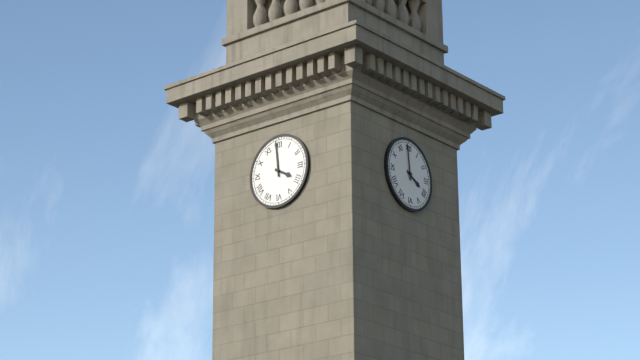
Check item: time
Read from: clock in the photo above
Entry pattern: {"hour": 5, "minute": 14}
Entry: {"hour": 3, "minute": 59}
